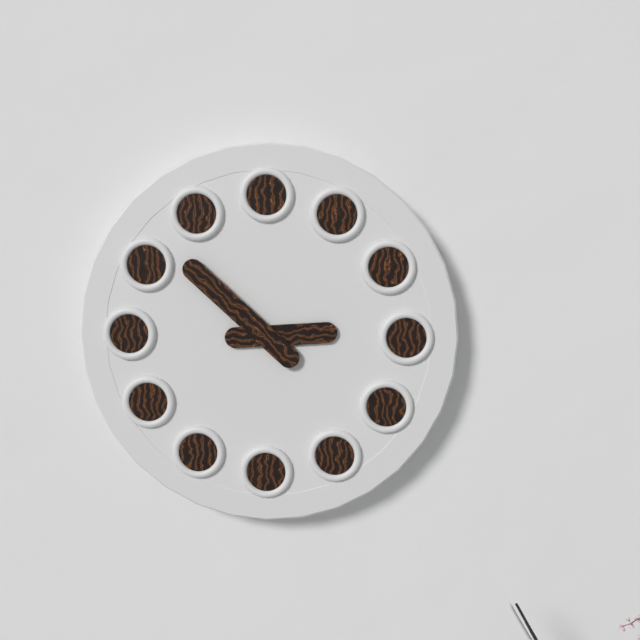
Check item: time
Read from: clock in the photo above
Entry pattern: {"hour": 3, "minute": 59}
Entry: {"hour": 2, "minute": 52}
